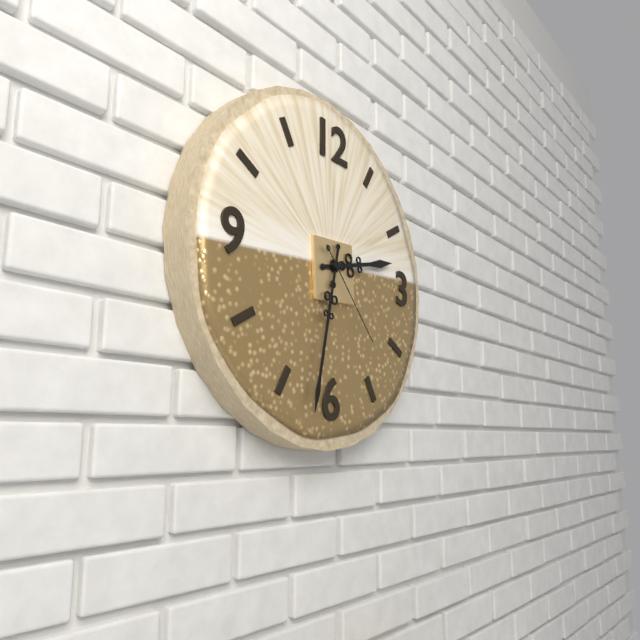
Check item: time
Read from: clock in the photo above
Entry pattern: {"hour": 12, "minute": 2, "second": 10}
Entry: {"hour": 2, "minute": 32, "second": 23}
